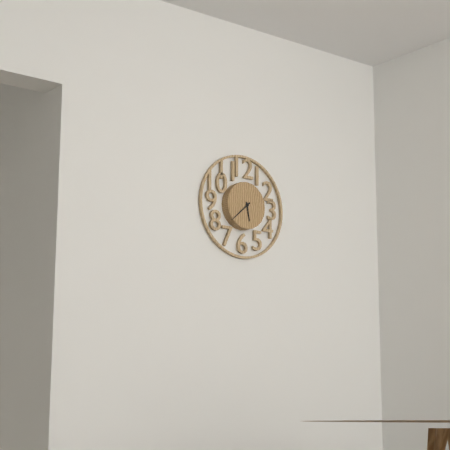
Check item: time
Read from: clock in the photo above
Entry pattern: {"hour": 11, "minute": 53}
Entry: {"hour": 5, "minute": 38}
